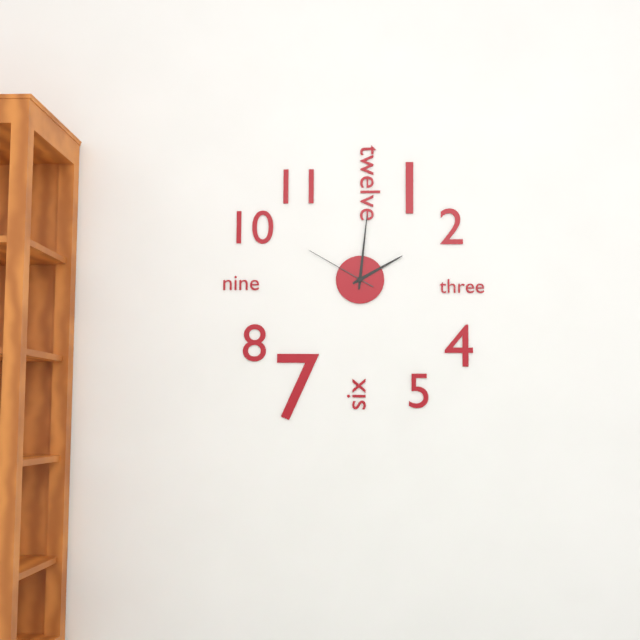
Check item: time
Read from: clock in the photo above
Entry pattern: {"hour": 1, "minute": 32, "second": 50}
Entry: {"hour": 2, "minute": 1, "second": 50}
